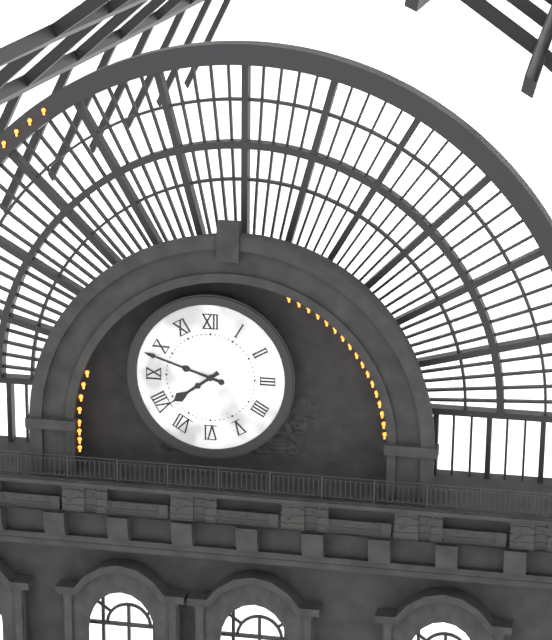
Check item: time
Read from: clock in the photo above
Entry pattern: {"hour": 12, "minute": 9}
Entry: {"hour": 7, "minute": 48}
